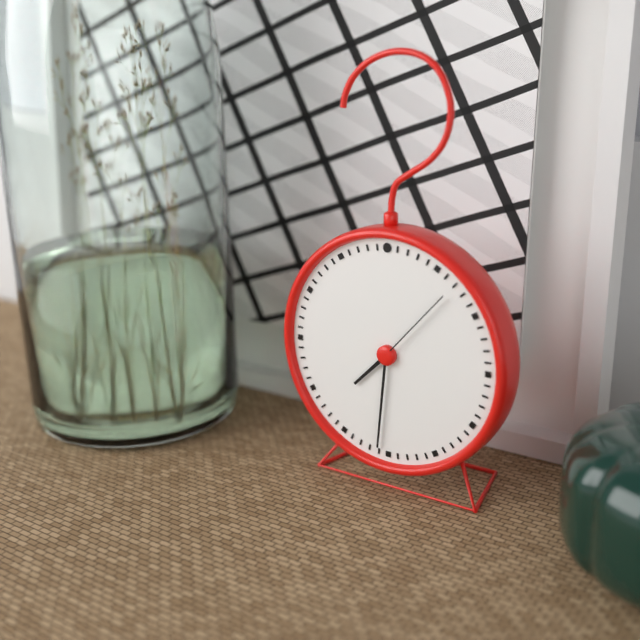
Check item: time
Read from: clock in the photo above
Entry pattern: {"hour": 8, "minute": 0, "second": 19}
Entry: {"hour": 7, "minute": 31, "second": 7}
